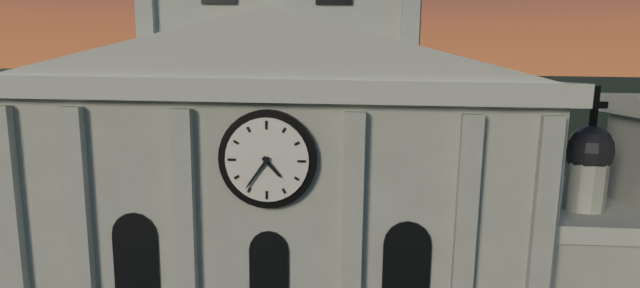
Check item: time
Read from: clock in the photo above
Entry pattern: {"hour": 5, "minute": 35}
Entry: {"hour": 4, "minute": 36}
